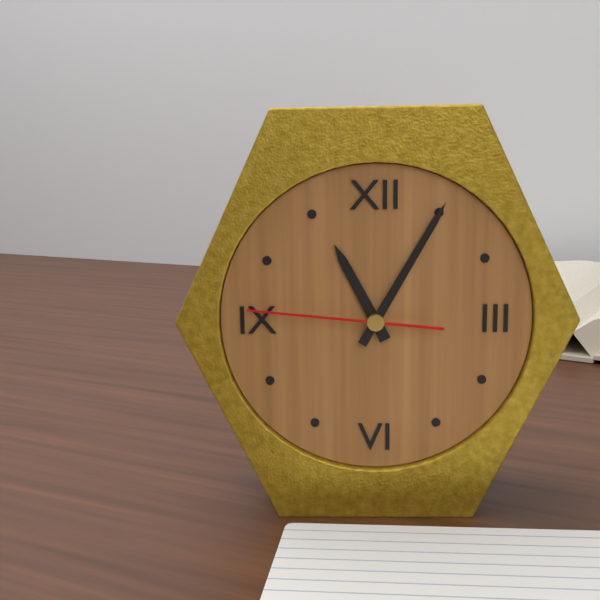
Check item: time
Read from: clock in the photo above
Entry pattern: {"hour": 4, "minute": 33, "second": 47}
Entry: {"hour": 11, "minute": 5, "second": 46}
